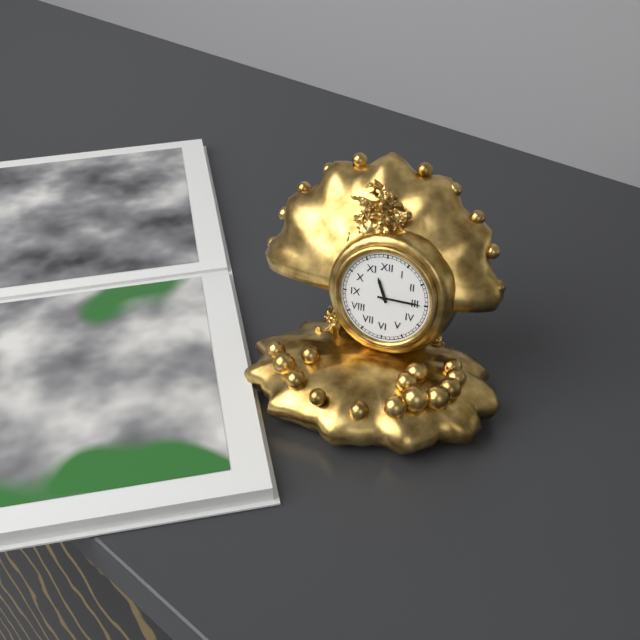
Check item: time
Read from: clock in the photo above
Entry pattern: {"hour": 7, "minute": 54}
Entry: {"hour": 11, "minute": 15}
